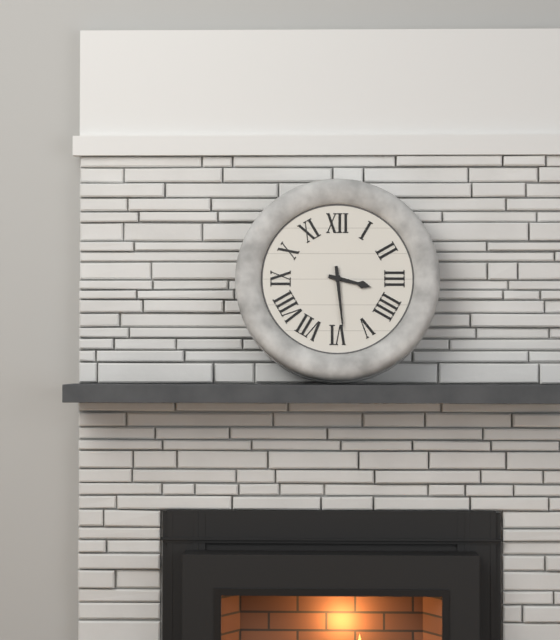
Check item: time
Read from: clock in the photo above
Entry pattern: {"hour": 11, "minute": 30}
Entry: {"hour": 3, "minute": 29}
